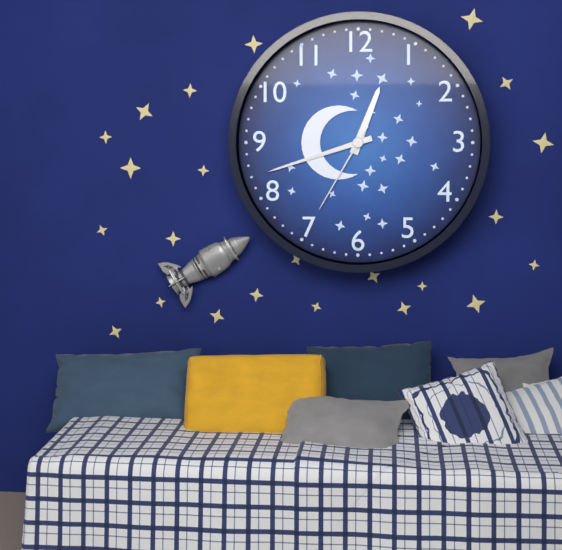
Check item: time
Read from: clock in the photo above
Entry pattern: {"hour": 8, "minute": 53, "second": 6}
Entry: {"hour": 12, "minute": 42, "second": 35}
